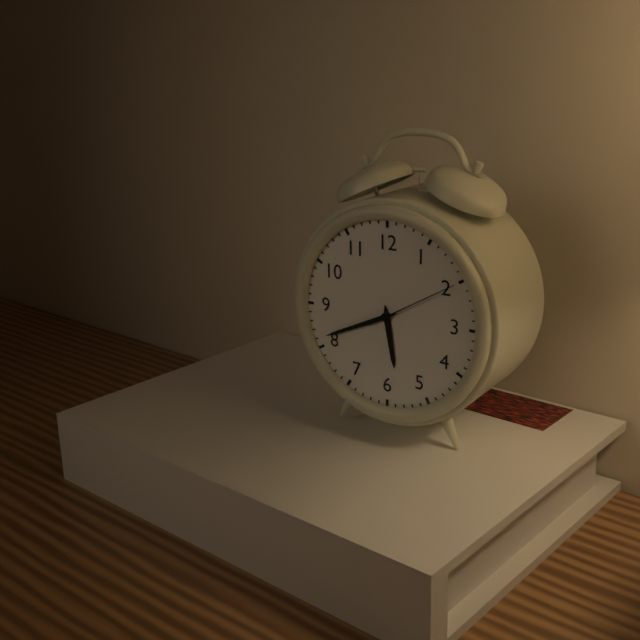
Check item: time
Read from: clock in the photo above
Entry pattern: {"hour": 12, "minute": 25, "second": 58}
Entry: {"hour": 5, "minute": 41, "second": 10}
